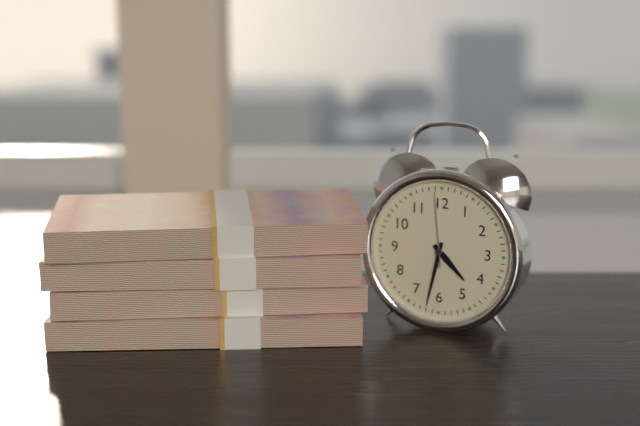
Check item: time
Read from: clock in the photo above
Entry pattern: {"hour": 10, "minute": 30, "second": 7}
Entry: {"hour": 4, "minute": 32, "second": 59}
